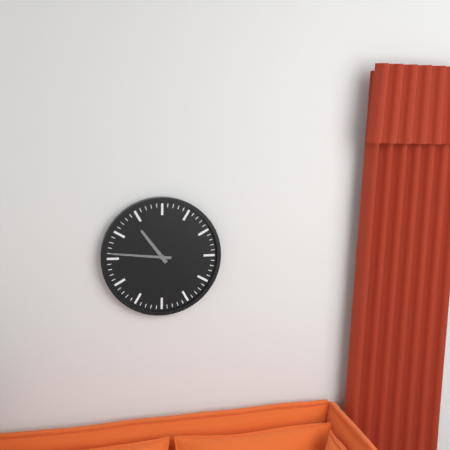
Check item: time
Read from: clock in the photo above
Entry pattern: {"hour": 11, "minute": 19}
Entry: {"hour": 10, "minute": 46}
